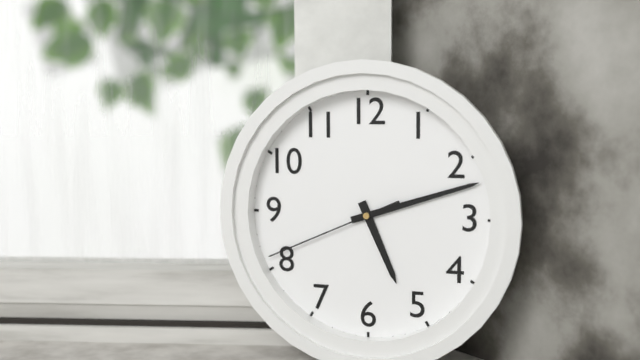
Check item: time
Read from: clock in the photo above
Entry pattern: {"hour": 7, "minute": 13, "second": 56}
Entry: {"hour": 5, "minute": 12, "second": 41}
